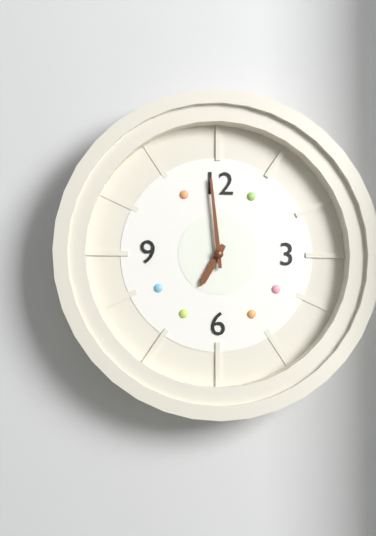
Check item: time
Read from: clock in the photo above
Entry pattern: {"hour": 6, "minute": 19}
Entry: {"hour": 6, "minute": 59}
